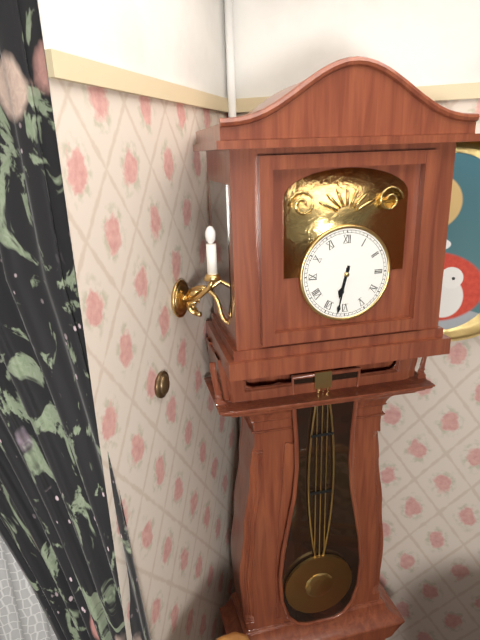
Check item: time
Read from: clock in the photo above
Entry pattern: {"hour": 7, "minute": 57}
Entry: {"hour": 6, "minute": 32}
